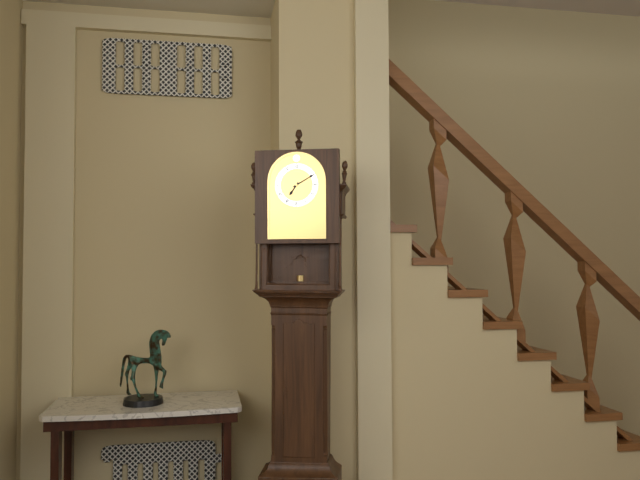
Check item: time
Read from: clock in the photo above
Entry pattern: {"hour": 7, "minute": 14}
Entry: {"hour": 7, "minute": 10}
